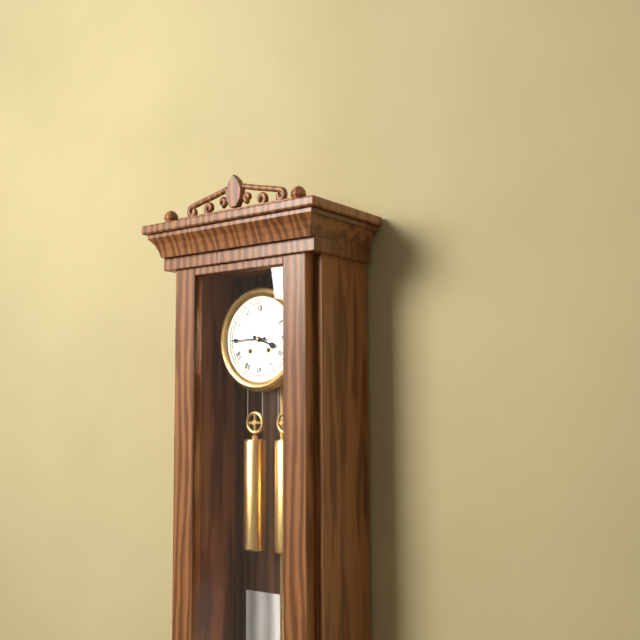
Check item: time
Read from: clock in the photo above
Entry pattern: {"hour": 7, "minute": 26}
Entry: {"hour": 3, "minute": 45}
